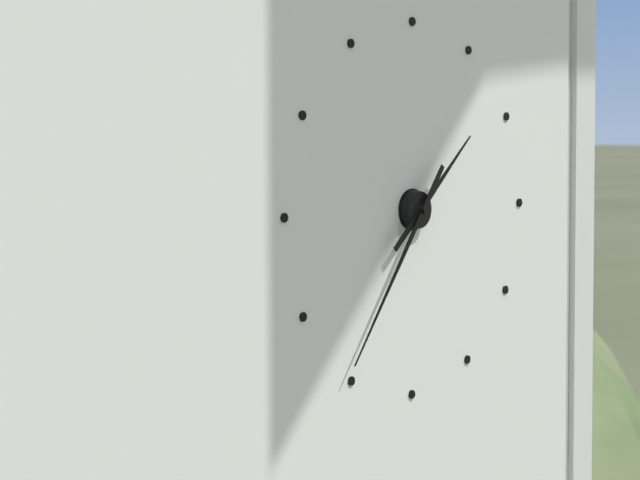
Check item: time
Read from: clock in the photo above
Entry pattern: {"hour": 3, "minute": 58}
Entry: {"hour": 1, "minute": 36}
